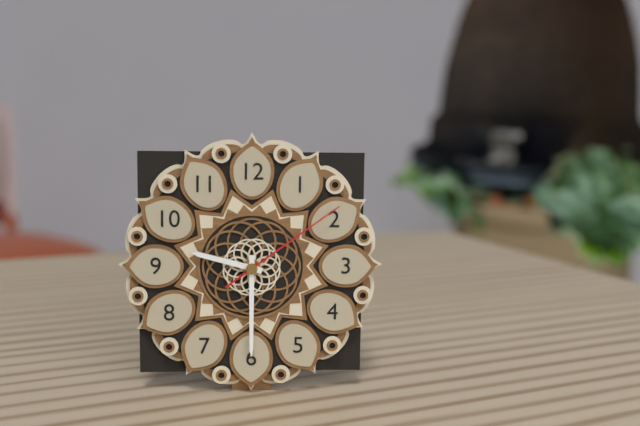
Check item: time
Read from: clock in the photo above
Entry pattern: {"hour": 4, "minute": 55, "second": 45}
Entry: {"hour": 9, "minute": 30, "second": 9}
